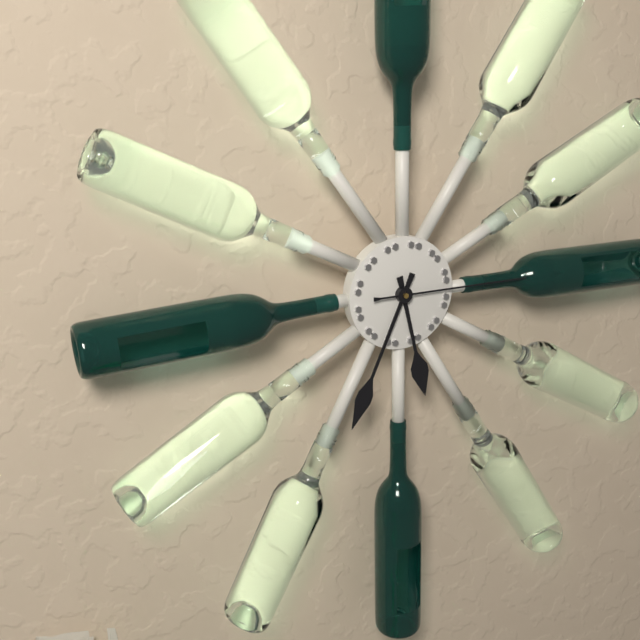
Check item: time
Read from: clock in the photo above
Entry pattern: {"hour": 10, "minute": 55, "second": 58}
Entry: {"hour": 5, "minute": 34, "second": 15}
